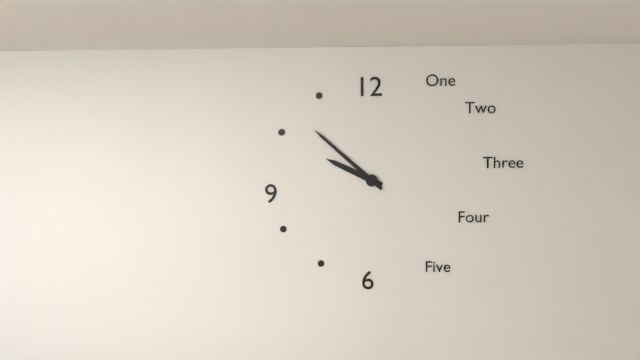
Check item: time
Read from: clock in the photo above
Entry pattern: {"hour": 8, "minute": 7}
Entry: {"hour": 9, "minute": 52}
